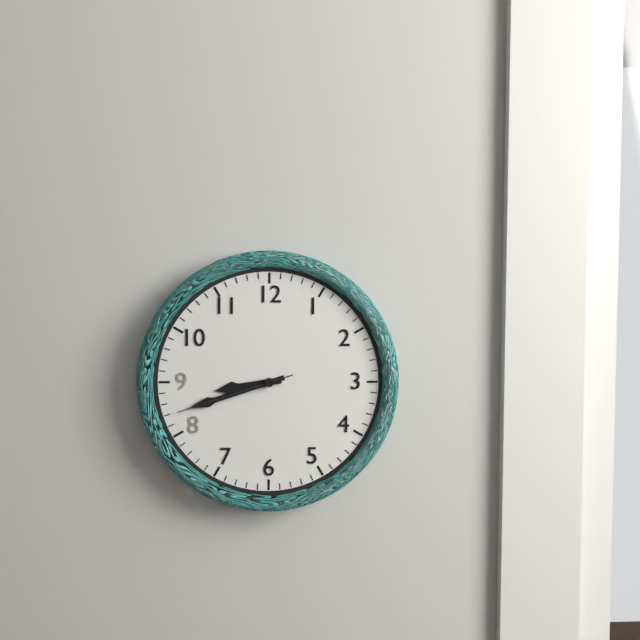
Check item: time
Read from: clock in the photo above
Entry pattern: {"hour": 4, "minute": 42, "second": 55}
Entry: {"hour": 8, "minute": 42, "second": 42}
